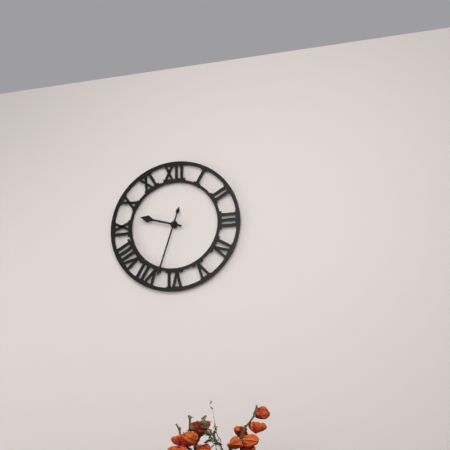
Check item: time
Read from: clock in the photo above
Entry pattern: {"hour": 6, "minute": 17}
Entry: {"hour": 9, "minute": 33}
